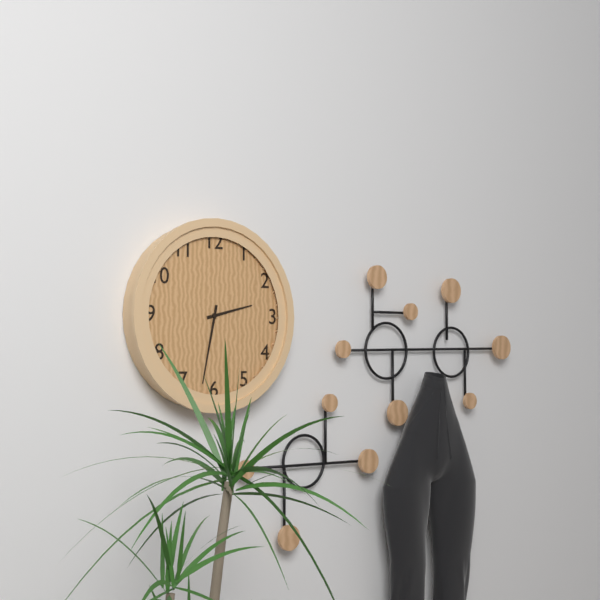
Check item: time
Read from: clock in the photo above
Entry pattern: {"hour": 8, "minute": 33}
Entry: {"hour": 2, "minute": 32}
